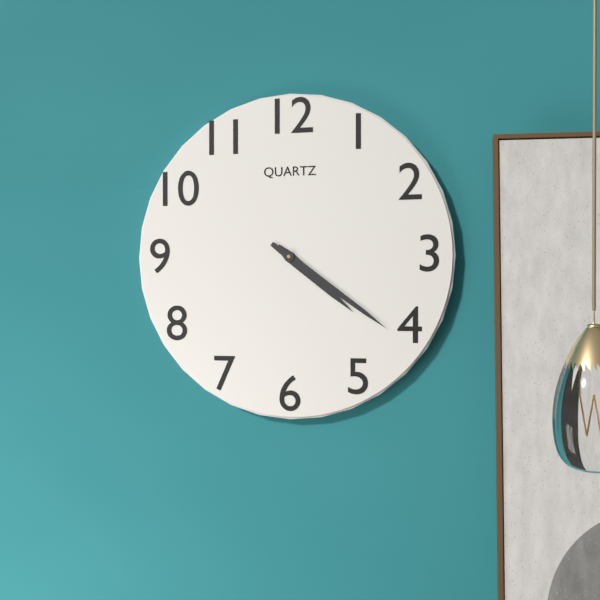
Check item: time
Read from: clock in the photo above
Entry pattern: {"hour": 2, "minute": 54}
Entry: {"hour": 4, "minute": 21}
